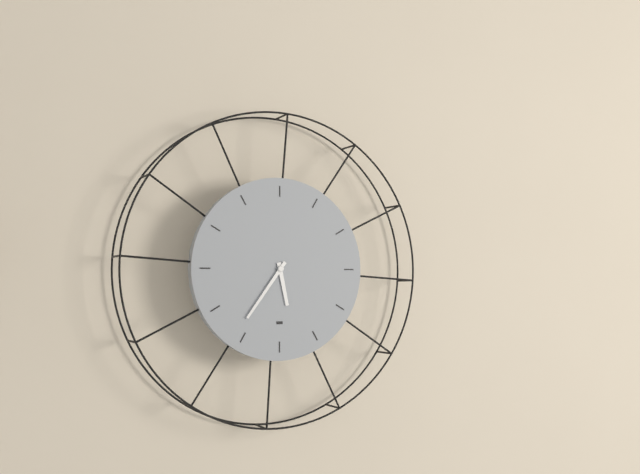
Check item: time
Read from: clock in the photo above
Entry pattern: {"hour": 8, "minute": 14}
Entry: {"hour": 5, "minute": 36}
